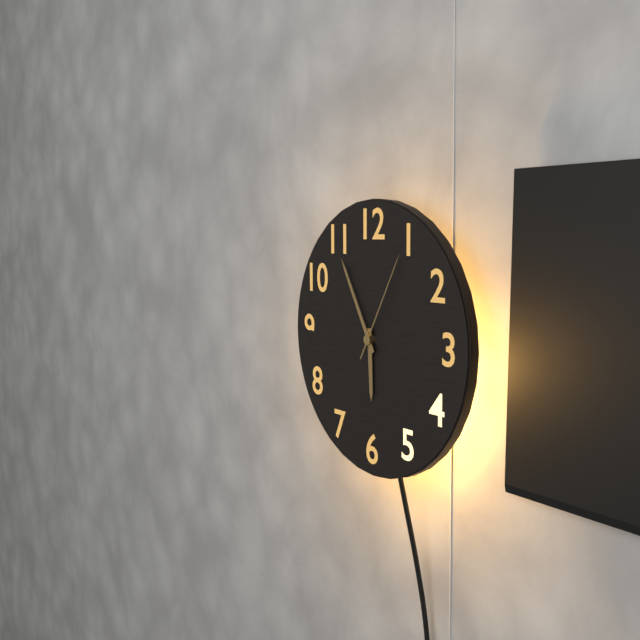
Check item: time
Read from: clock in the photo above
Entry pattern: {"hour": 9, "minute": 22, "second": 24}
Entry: {"hour": 5, "minute": 55, "second": 5}
